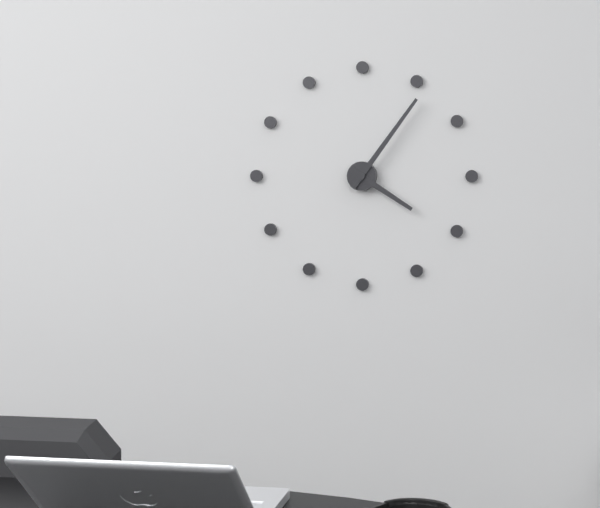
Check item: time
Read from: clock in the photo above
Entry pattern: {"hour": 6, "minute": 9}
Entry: {"hour": 4, "minute": 6}
